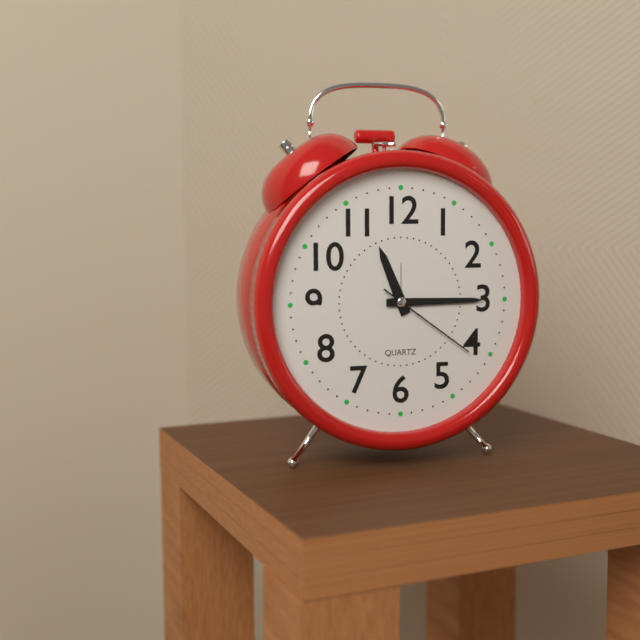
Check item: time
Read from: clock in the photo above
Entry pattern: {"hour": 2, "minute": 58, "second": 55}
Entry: {"hour": 11, "minute": 15, "second": 21}
